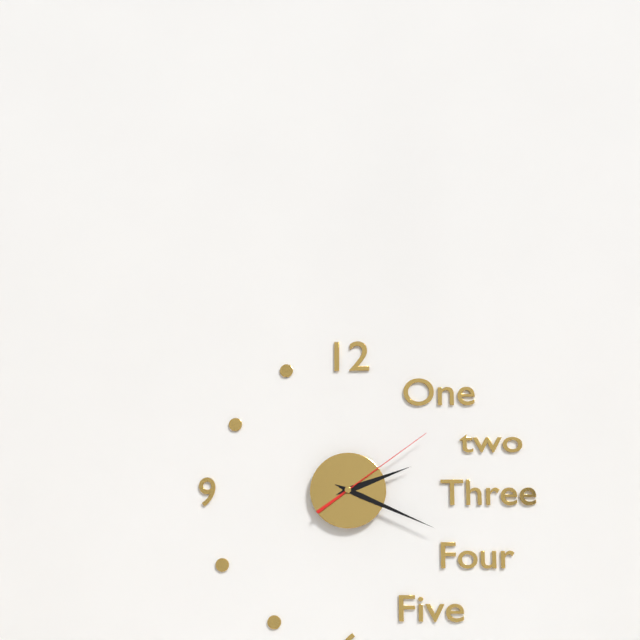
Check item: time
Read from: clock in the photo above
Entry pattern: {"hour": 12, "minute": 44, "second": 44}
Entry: {"hour": 2, "minute": 19, "second": 9}
